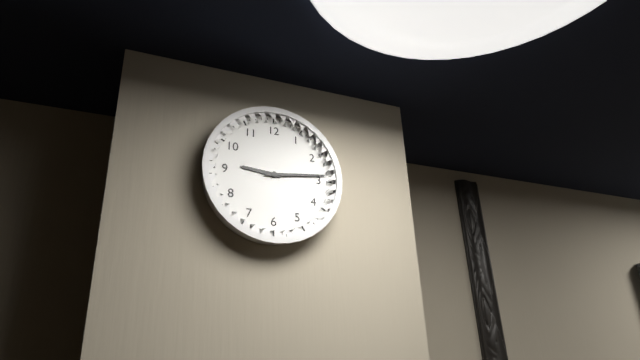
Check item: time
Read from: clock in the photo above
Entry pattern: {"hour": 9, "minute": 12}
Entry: {"hour": 9, "minute": 14}
